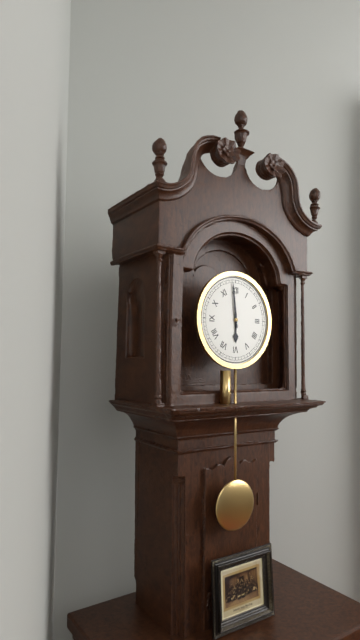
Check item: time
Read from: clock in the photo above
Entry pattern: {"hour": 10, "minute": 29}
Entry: {"hour": 5, "minute": 59}
